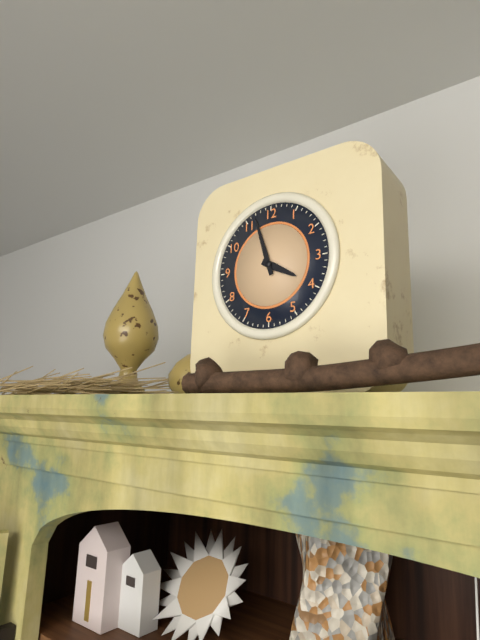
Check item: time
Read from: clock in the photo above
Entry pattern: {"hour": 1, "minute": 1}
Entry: {"hour": 3, "minute": 57}
